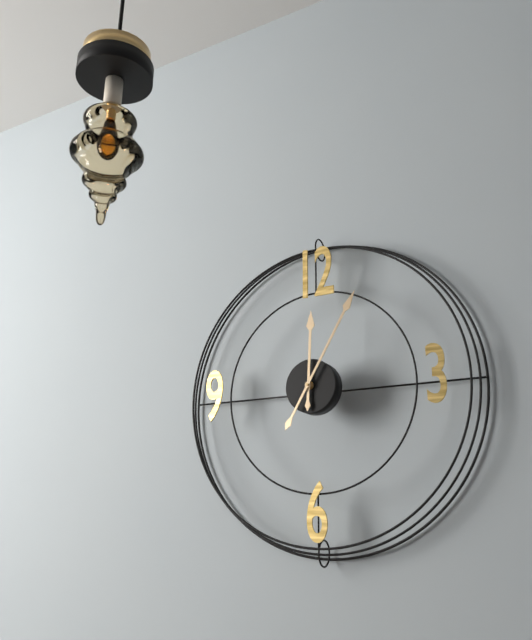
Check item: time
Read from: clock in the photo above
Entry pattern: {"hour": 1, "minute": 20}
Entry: {"hour": 12, "minute": 5}
